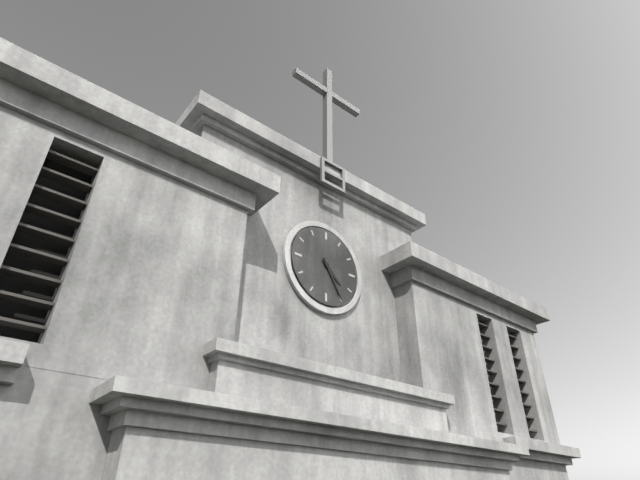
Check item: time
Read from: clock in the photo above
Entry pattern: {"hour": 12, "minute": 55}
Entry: {"hour": 4, "minute": 25}
